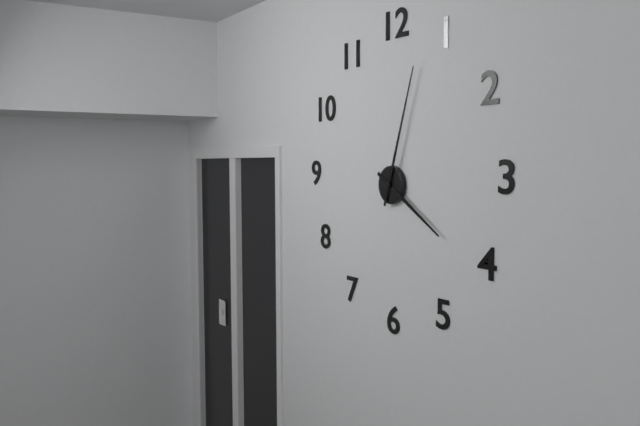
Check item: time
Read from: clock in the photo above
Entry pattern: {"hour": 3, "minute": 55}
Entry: {"hour": 4, "minute": 3}
